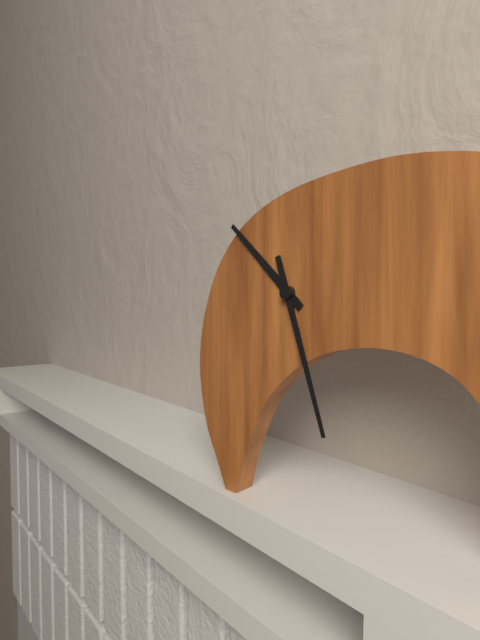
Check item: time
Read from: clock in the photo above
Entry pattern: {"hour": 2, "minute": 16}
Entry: {"hour": 10, "minute": 27}
